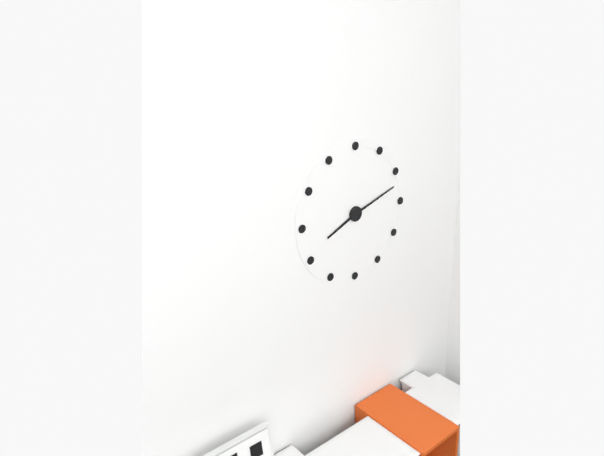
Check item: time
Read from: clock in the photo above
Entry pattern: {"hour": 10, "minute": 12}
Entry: {"hour": 8, "minute": 12}
